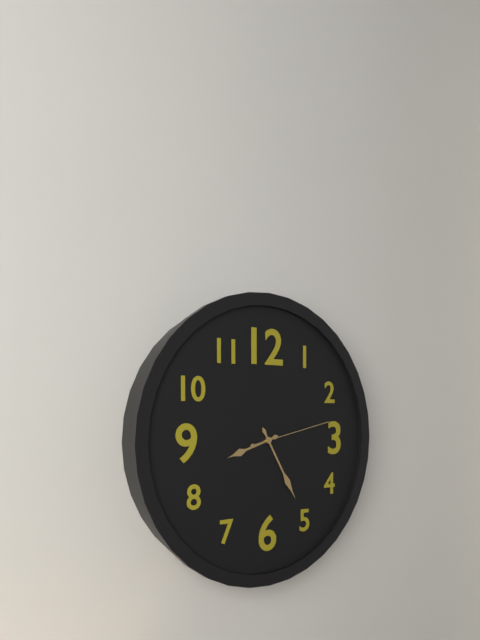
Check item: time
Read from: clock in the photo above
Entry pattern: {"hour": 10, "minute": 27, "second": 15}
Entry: {"hour": 8, "minute": 25, "second": 13}
